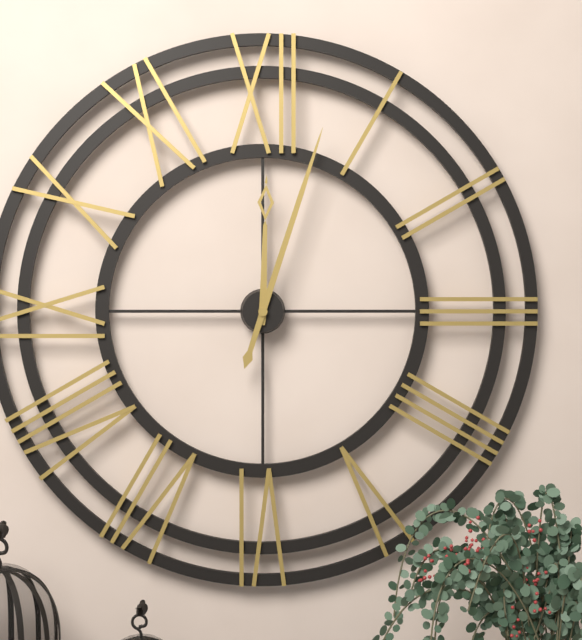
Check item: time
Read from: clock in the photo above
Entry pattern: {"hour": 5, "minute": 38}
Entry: {"hour": 12, "minute": 3}
